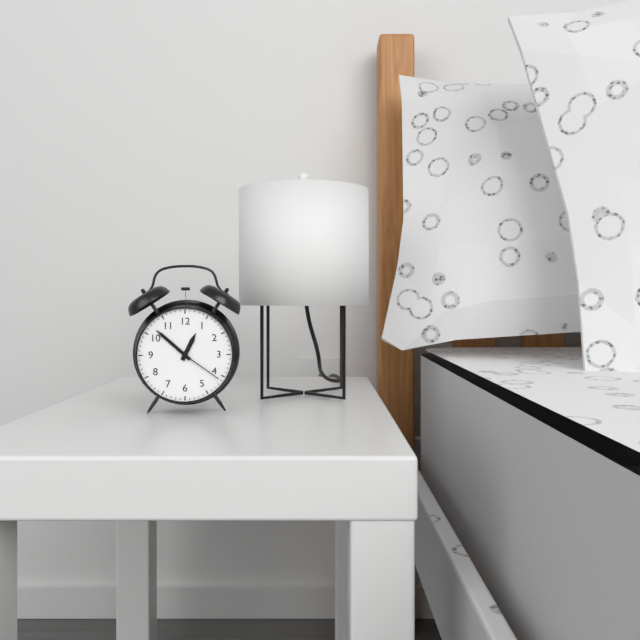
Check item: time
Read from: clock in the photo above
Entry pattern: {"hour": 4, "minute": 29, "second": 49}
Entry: {"hour": 12, "minute": 52, "second": 21}
